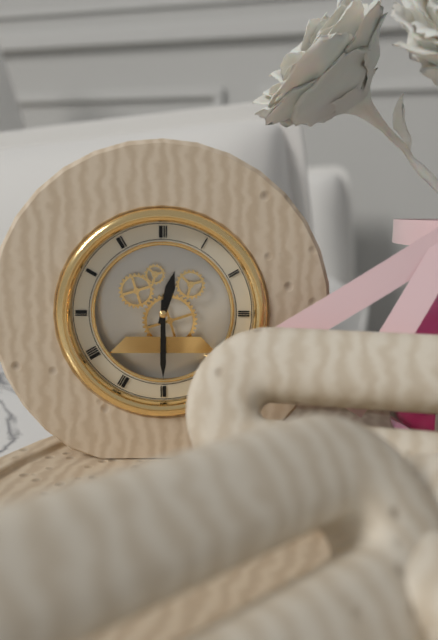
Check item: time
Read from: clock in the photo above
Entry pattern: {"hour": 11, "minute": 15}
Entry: {"hour": 12, "minute": 30}
